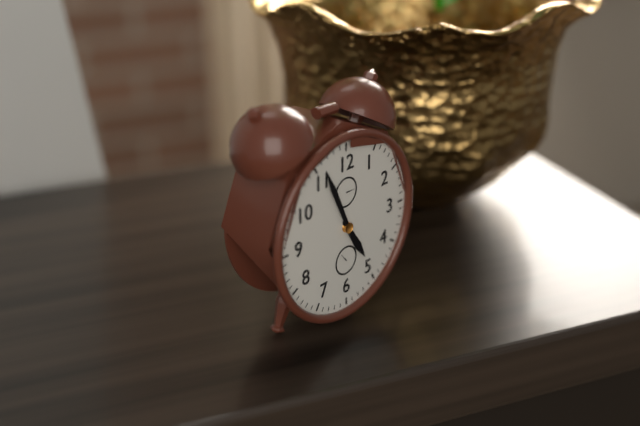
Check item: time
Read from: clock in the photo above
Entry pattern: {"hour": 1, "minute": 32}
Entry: {"hour": 4, "minute": 56}
